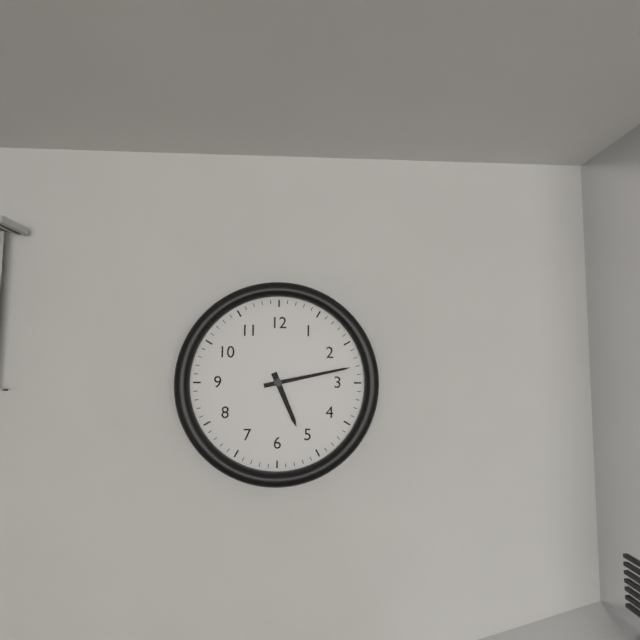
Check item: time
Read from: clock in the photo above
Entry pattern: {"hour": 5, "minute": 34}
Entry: {"hour": 5, "minute": 13}
